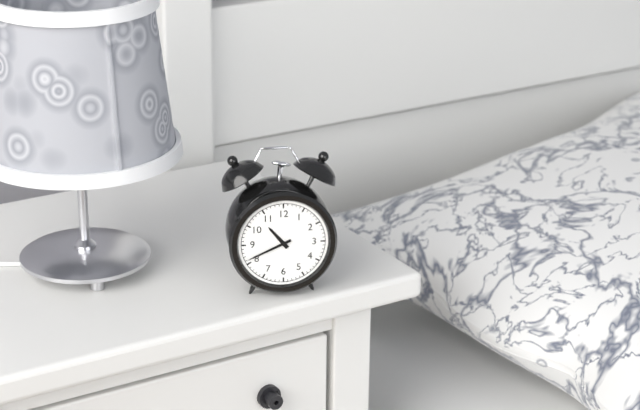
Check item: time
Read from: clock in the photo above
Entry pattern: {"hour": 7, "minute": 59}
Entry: {"hour": 10, "minute": 41}
